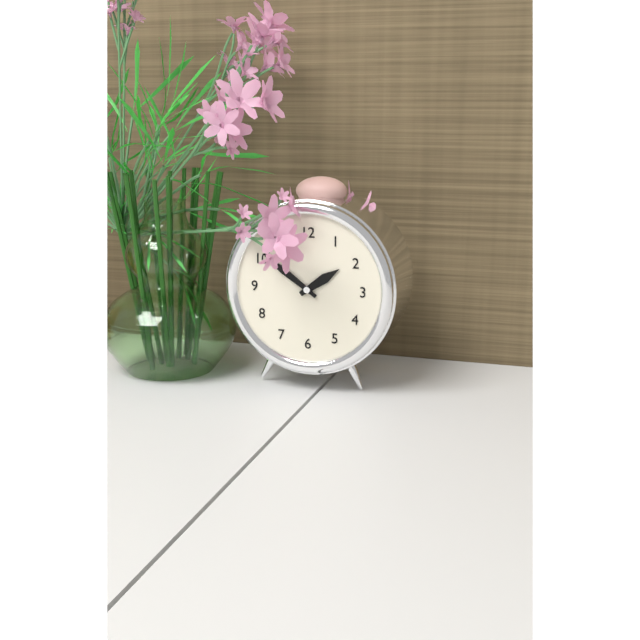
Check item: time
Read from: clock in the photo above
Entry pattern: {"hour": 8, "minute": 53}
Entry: {"hour": 1, "minute": 51}
